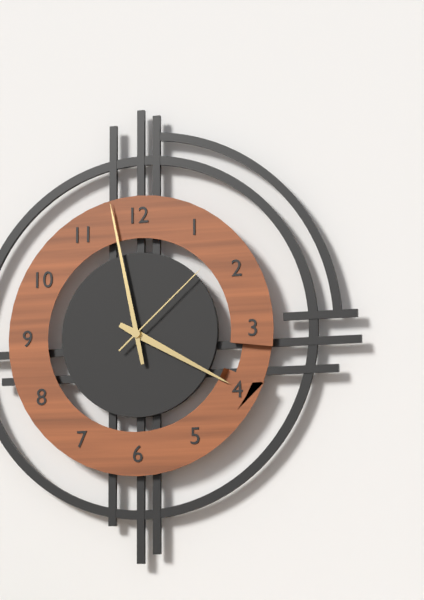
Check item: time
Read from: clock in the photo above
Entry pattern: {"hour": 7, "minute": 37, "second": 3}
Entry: {"hour": 3, "minute": 58, "second": 8}
